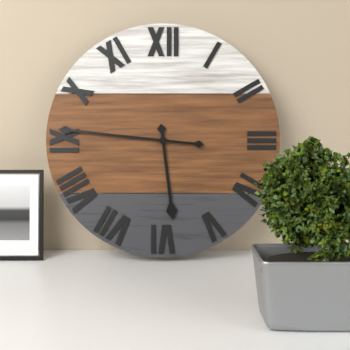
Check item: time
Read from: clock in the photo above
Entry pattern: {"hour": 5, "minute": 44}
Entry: {"hour": 5, "minute": 46}
